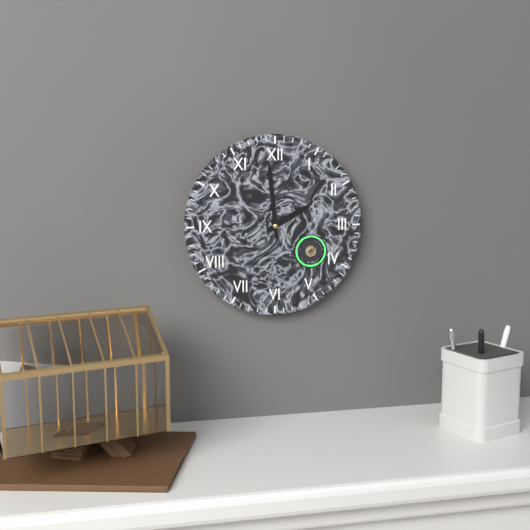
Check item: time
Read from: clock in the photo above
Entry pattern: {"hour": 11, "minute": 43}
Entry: {"hour": 1, "minute": 59}
